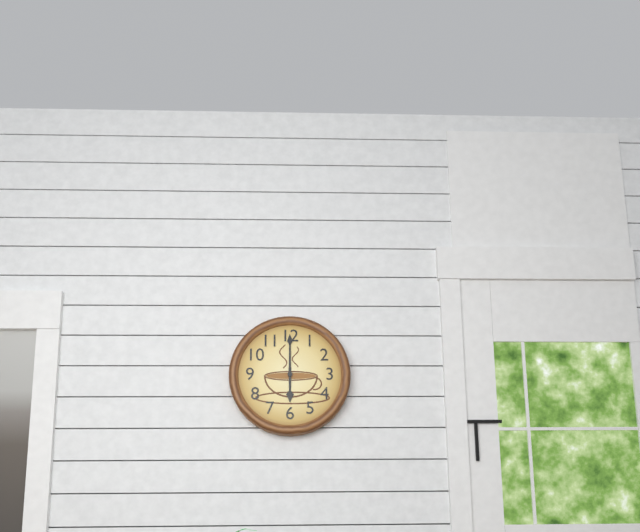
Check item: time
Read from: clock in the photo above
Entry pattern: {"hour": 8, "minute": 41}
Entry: {"hour": 6, "minute": 0}
